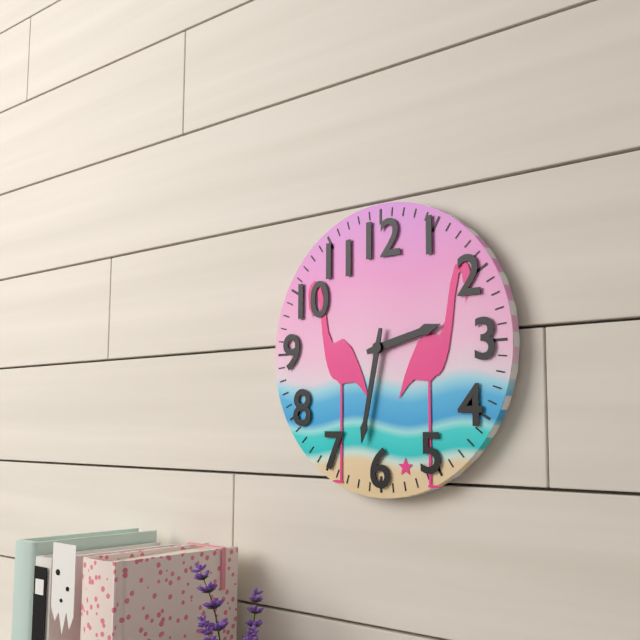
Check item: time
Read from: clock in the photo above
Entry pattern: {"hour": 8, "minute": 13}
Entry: {"hour": 2, "minute": 32}
